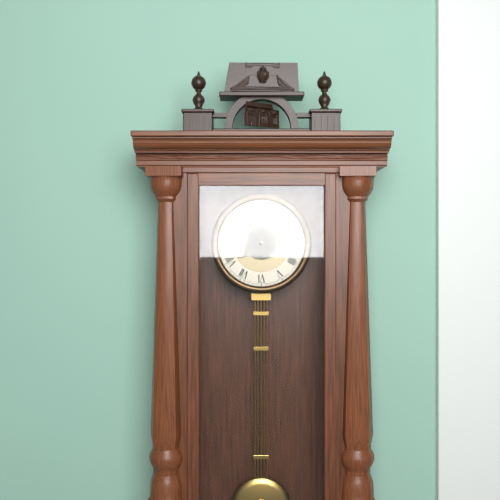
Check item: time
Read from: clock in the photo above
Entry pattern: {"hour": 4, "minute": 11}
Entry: {"hour": 7, "minute": 55}
